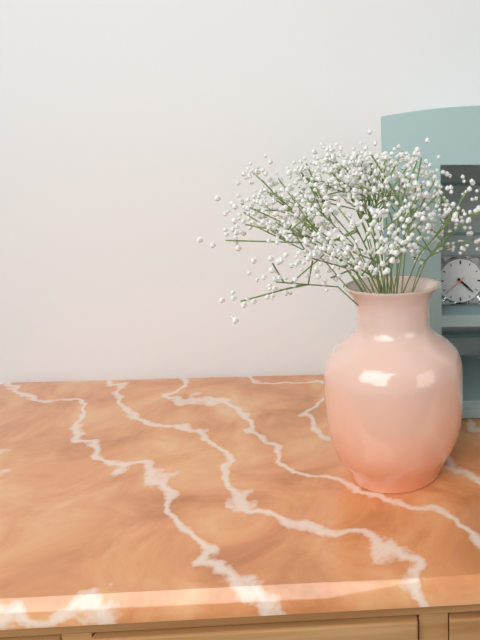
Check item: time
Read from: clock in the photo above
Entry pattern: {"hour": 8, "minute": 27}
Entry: {"hour": 4, "minute": 22}
